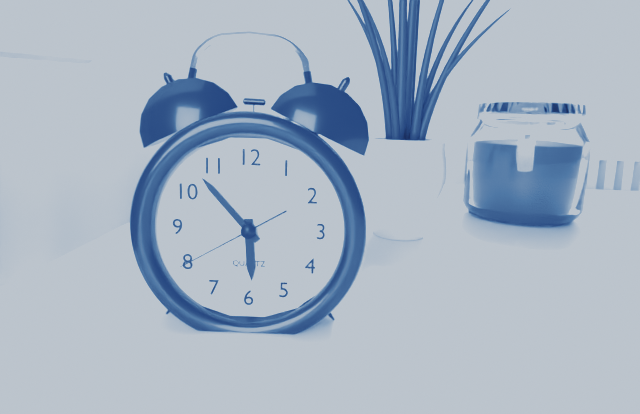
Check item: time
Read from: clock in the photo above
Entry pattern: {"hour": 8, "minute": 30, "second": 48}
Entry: {"hour": 5, "minute": 53, "second": 40}
